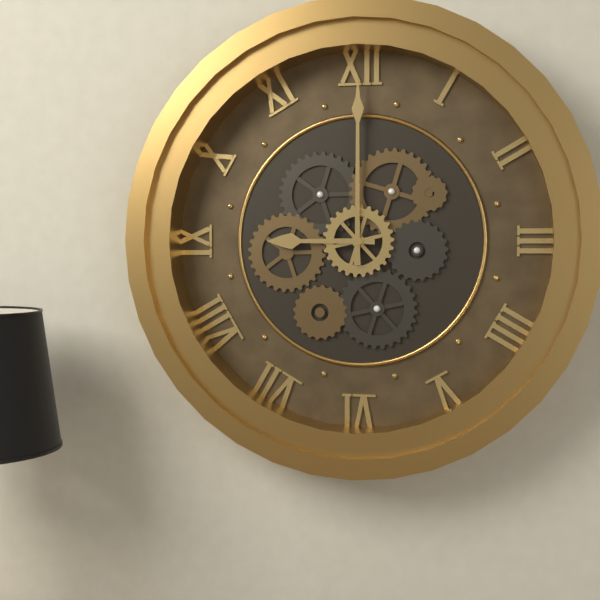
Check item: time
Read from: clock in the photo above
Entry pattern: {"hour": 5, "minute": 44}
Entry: {"hour": 9, "minute": 0}
